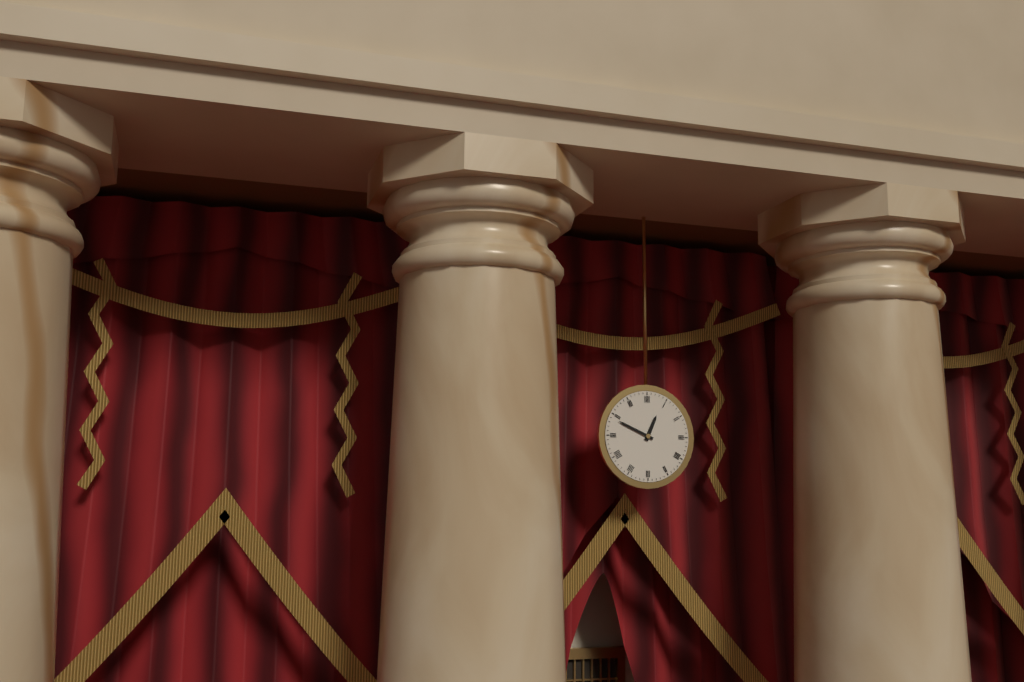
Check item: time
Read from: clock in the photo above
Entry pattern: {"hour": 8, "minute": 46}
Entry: {"hour": 12, "minute": 49}
